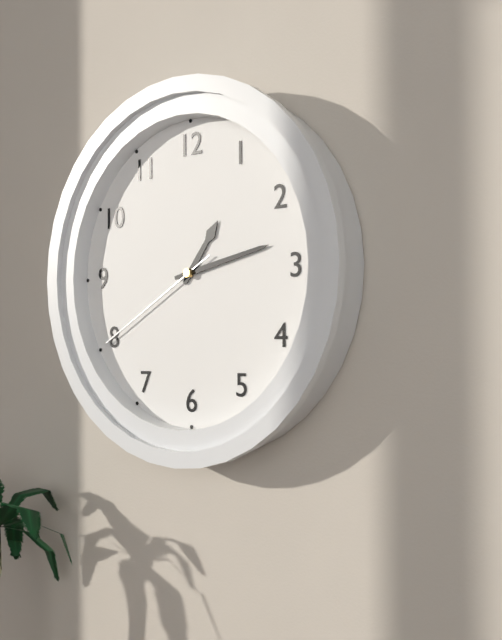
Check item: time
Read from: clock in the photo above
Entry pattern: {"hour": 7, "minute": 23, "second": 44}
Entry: {"hour": 1, "minute": 13, "second": 40}
